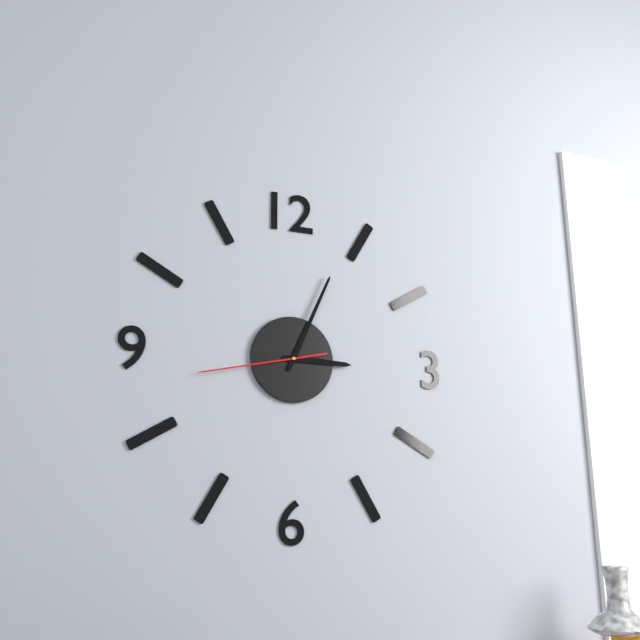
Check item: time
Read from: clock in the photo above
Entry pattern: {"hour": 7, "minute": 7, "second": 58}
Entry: {"hour": 3, "minute": 4, "second": 43}
